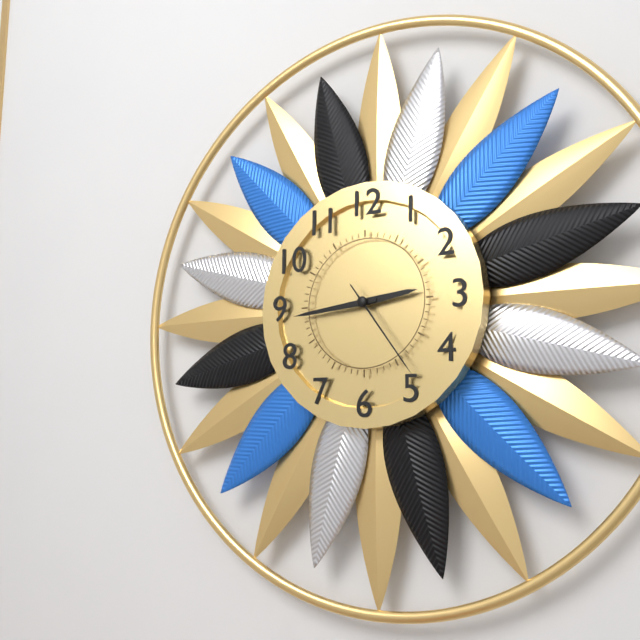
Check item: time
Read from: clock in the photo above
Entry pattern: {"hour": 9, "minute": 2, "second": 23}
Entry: {"hour": 2, "minute": 44, "second": 24}
